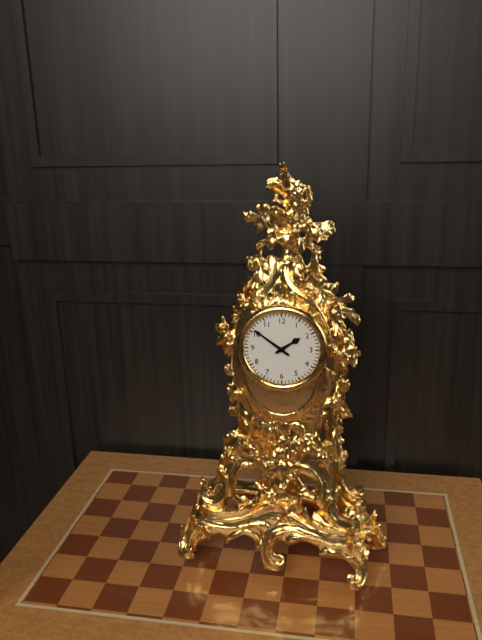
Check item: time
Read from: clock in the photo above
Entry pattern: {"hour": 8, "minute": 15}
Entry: {"hour": 1, "minute": 51}
